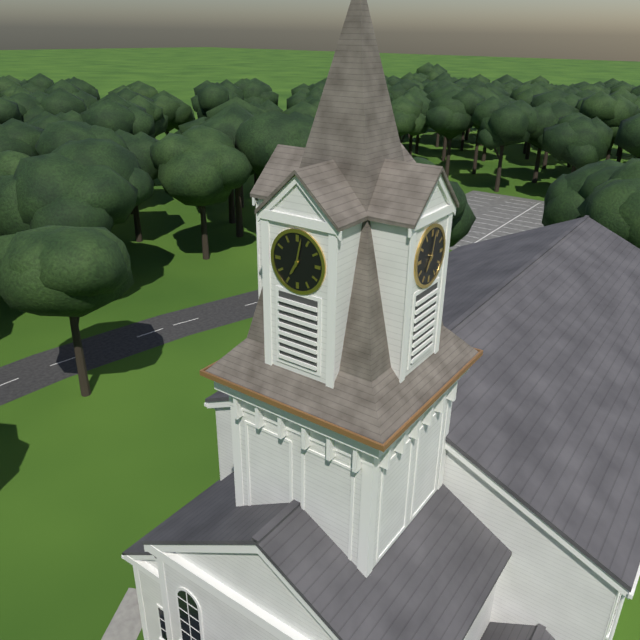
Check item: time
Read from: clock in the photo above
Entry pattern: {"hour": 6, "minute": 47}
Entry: {"hour": 7, "minute": 2}
